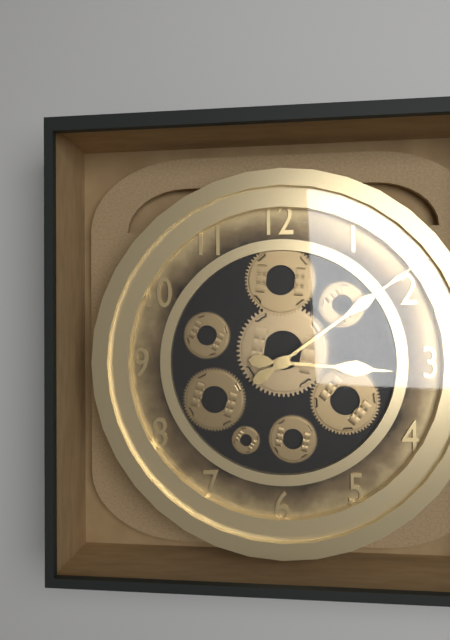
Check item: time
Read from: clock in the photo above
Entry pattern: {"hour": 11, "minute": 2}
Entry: {"hour": 3, "minute": 9}
